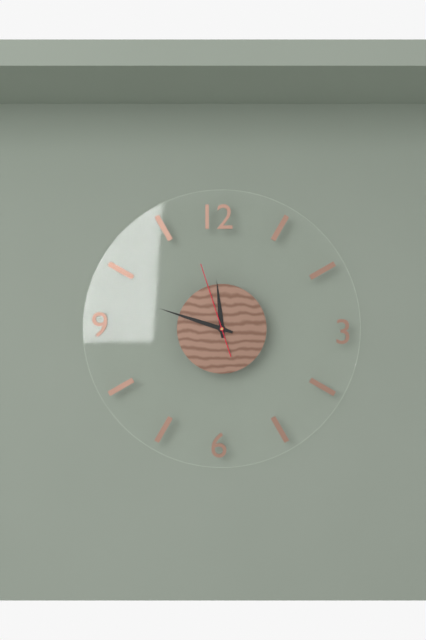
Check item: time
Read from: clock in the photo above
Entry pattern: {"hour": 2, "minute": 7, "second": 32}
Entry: {"hour": 11, "minute": 48, "second": 57}
